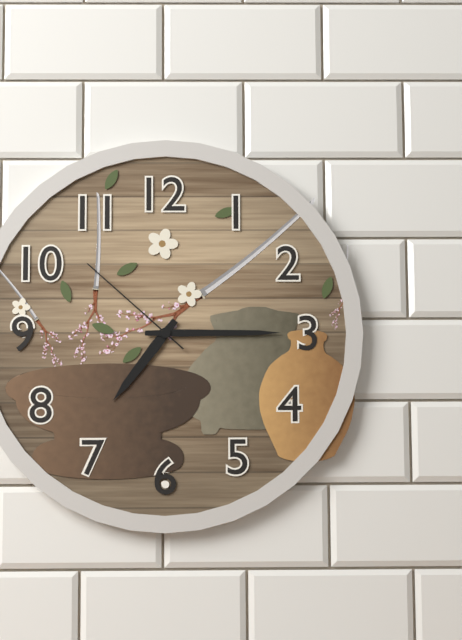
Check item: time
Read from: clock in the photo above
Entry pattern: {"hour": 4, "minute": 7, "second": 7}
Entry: {"hour": 7, "minute": 15, "second": 52}
